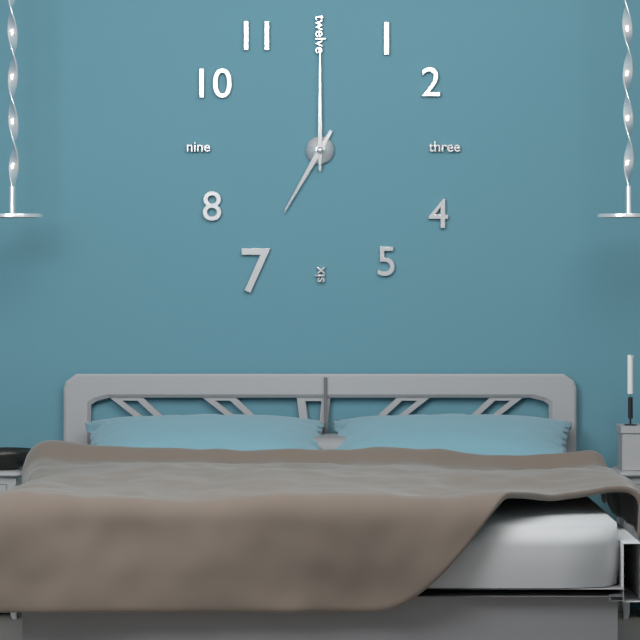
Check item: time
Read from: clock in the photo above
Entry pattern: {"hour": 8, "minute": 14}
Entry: {"hour": 7, "minute": 0}
